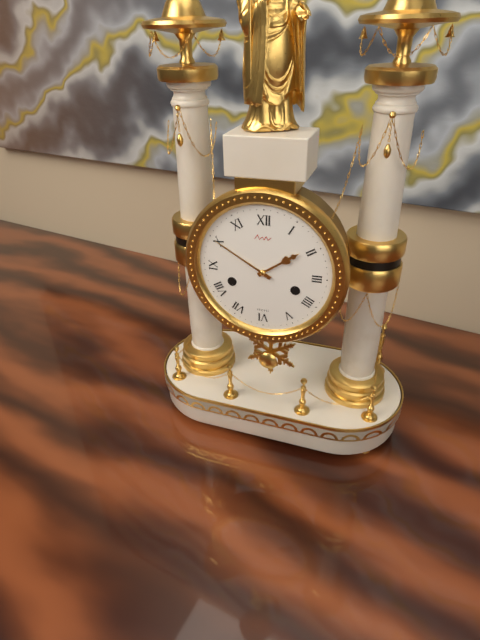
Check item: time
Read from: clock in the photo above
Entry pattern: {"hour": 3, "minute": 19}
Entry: {"hour": 1, "minute": 50}
